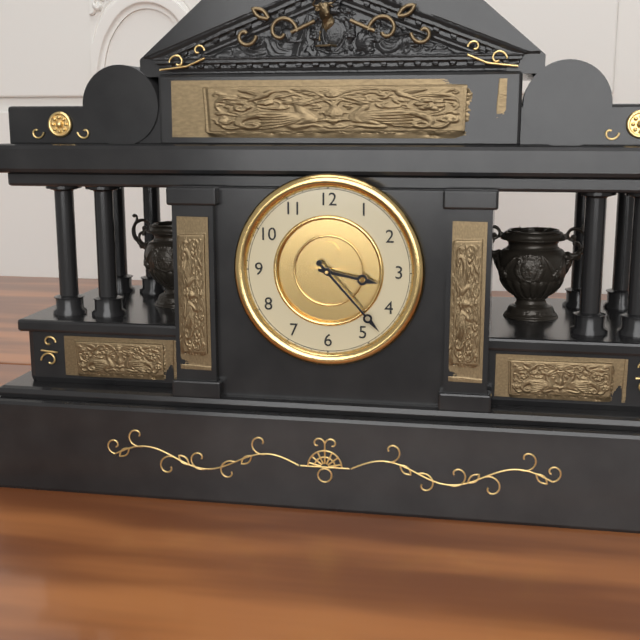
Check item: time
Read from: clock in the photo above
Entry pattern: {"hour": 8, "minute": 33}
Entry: {"hour": 3, "minute": 23}
